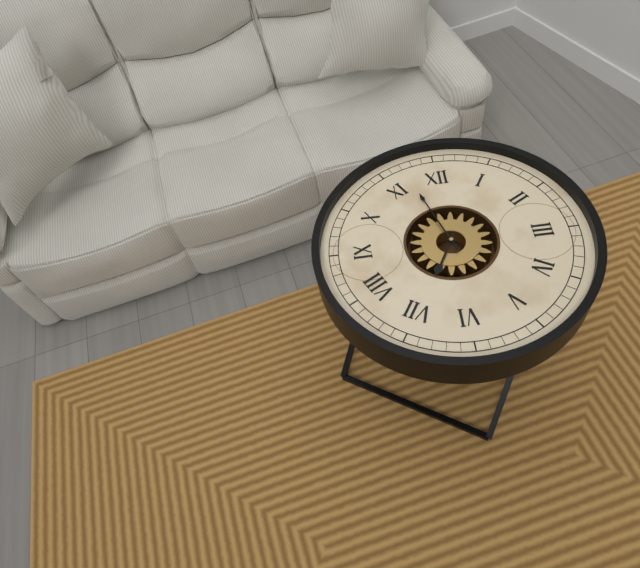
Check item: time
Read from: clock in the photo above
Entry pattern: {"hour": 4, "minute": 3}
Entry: {"hour": 6, "minute": 57}
